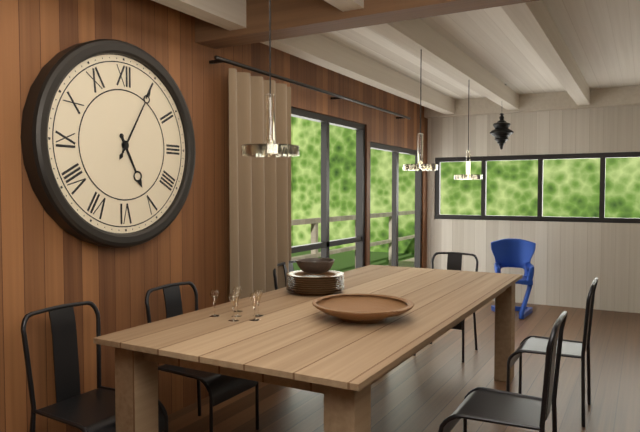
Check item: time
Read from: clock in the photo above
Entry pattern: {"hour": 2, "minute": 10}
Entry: {"hour": 5, "minute": 5}
